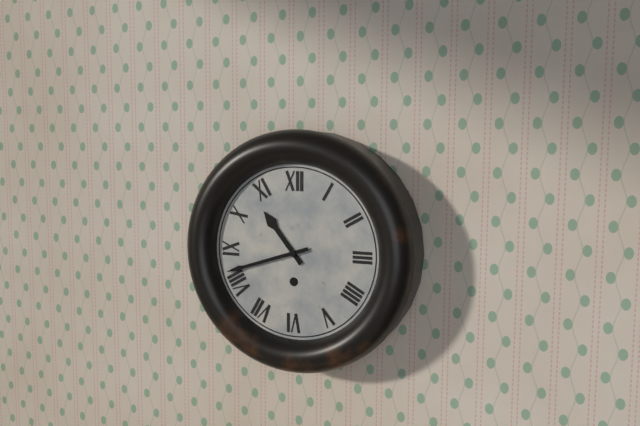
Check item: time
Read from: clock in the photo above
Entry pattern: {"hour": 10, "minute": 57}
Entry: {"hour": 10, "minute": 42}
